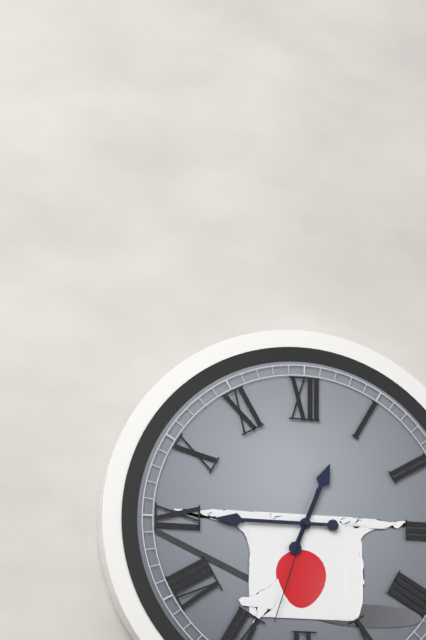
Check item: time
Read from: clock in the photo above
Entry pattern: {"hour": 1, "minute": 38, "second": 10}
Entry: {"hour": 12, "minute": 45, "second": 33}
